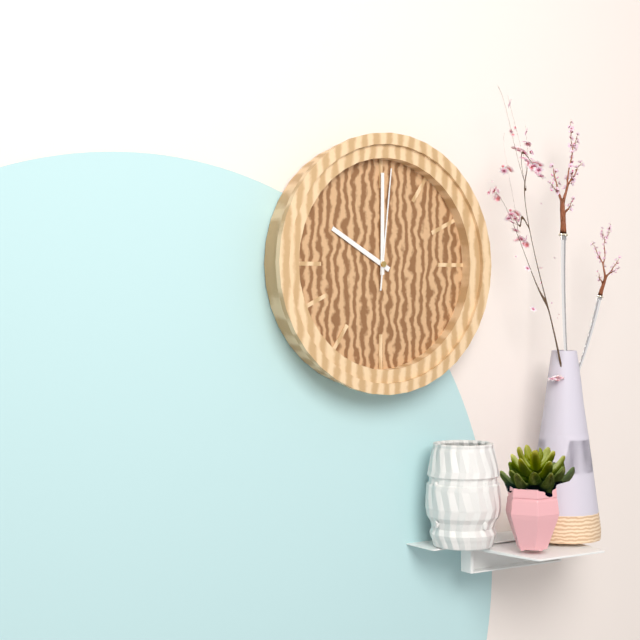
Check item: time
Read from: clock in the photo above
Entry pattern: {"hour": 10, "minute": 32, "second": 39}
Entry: {"hour": 10, "minute": 0, "second": 1}
